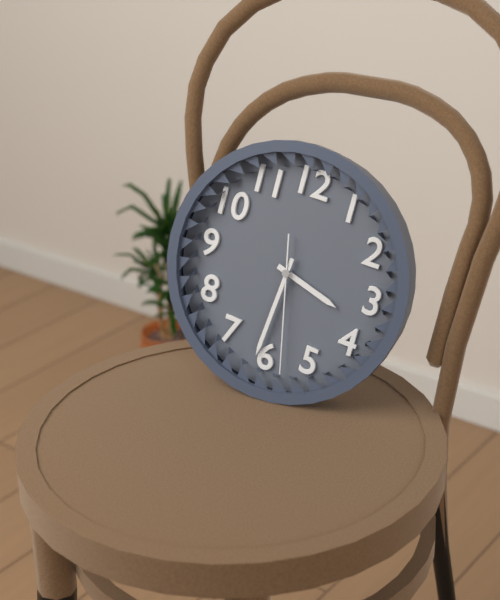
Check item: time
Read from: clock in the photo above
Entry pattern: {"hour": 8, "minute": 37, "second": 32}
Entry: {"hour": 3, "minute": 31, "second": 28}
